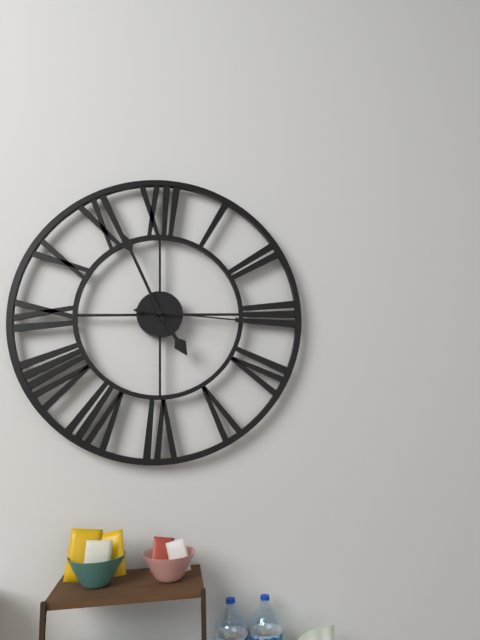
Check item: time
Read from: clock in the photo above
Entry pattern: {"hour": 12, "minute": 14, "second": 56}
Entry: {"hour": 4, "minute": 56, "second": 16}
